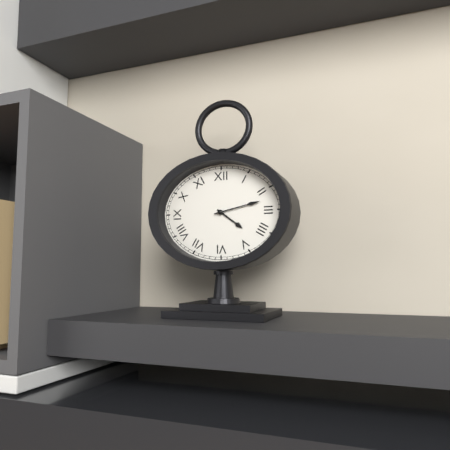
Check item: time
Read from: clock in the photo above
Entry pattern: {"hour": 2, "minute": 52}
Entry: {"hour": 4, "minute": 13}
